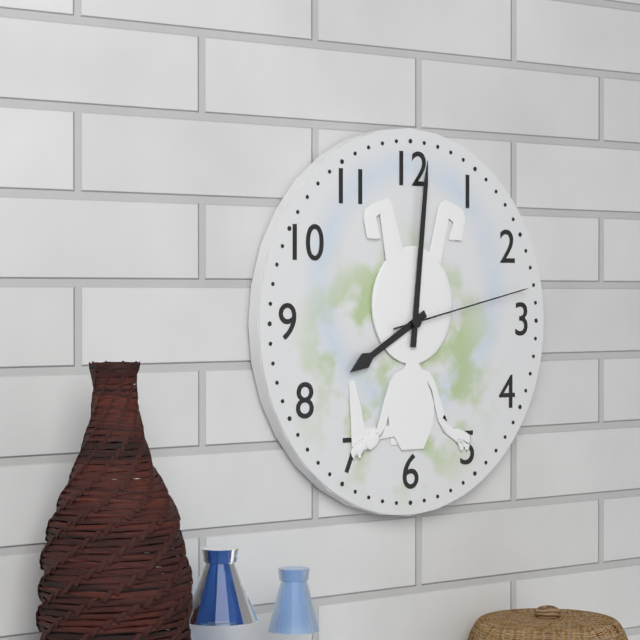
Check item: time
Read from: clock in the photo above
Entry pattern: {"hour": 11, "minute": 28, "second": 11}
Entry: {"hour": 8, "minute": 1, "second": 13}
